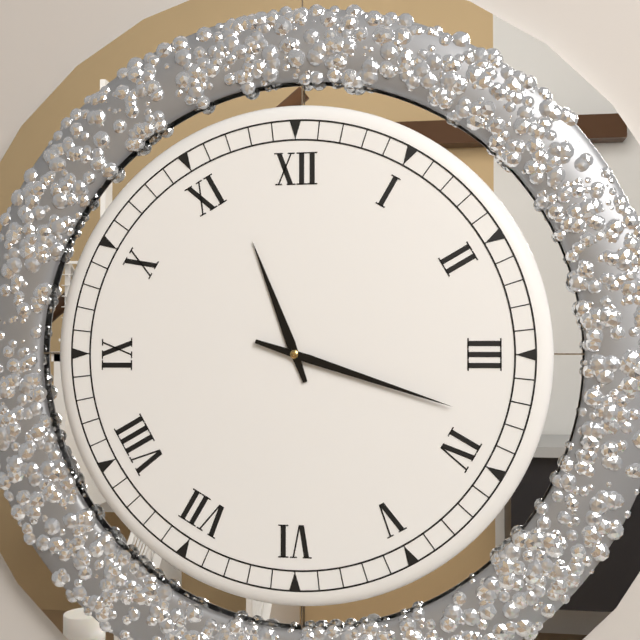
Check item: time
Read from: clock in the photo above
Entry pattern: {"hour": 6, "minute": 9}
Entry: {"hour": 11, "minute": 18}
